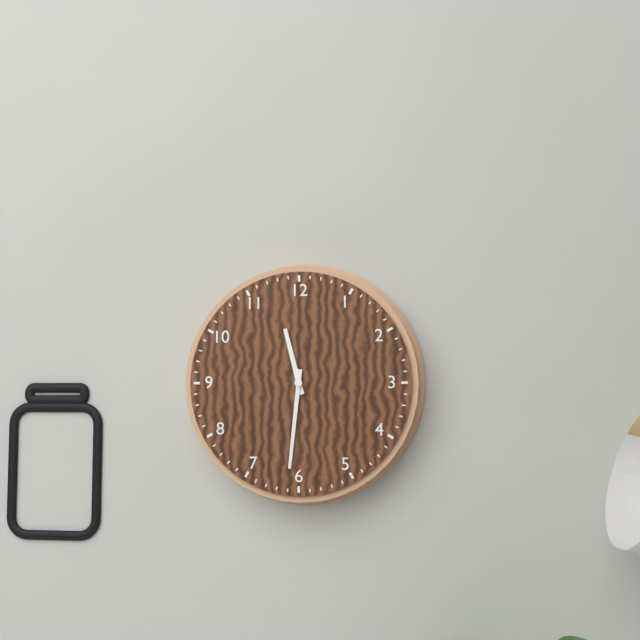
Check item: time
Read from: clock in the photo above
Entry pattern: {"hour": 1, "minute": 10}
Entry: {"hour": 11, "minute": 31}
